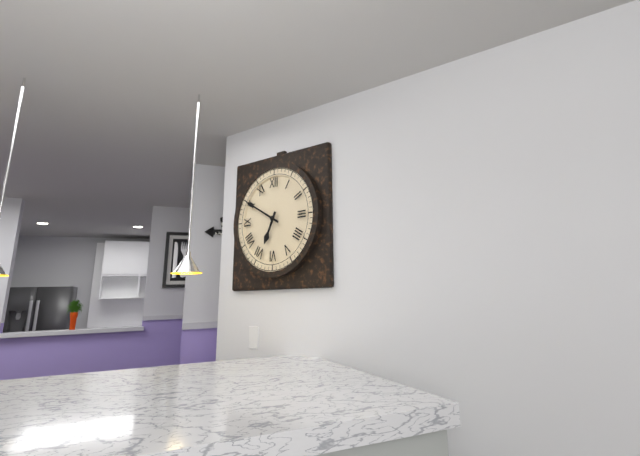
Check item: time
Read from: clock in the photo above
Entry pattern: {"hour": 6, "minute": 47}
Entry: {"hour": 6, "minute": 50}
